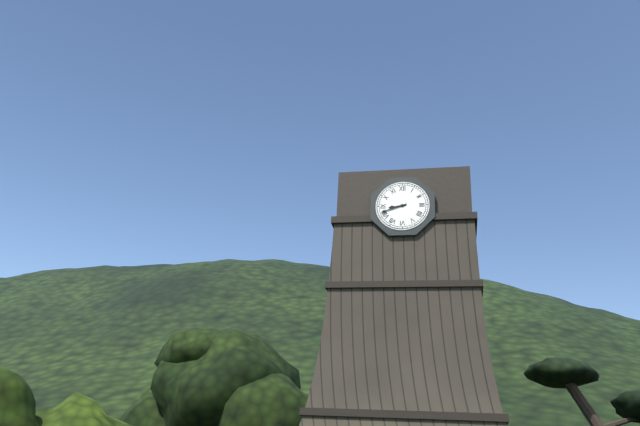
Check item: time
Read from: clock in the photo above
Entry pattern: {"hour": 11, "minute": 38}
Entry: {"hour": 8, "minute": 42}
